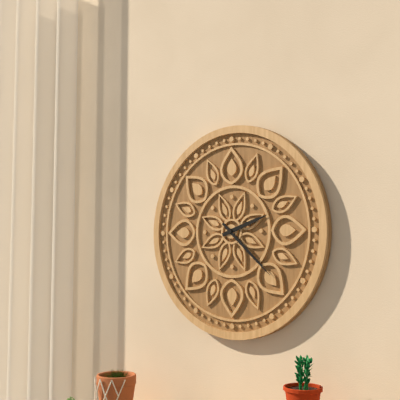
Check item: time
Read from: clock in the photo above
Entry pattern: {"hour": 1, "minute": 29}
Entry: {"hour": 2, "minute": 22}
